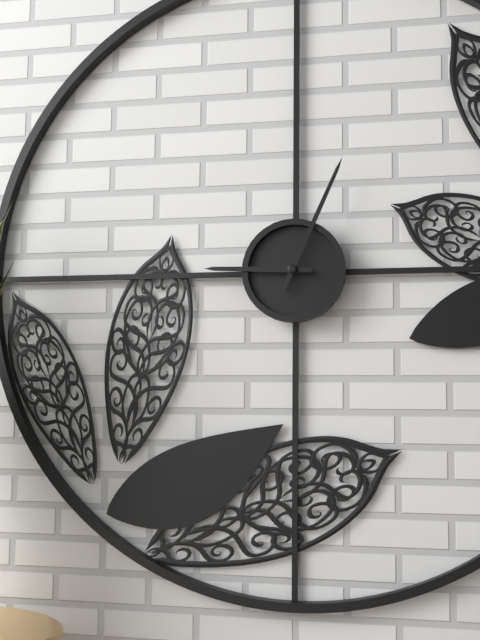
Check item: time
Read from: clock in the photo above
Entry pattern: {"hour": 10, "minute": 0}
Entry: {"hour": 9, "minute": 4}
